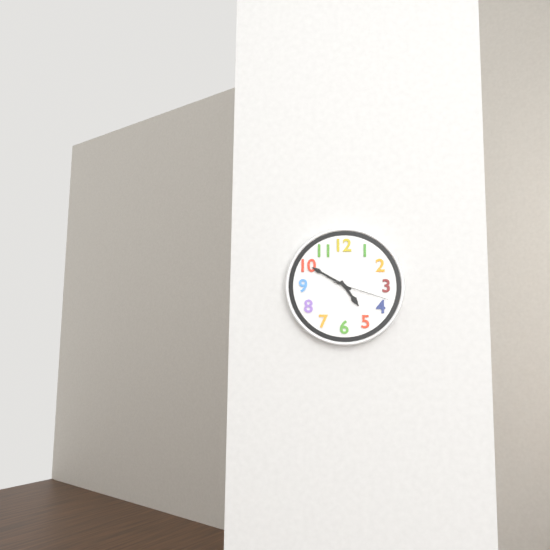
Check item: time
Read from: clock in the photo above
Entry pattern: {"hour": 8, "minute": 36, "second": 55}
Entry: {"hour": 4, "minute": 50, "second": 18}
